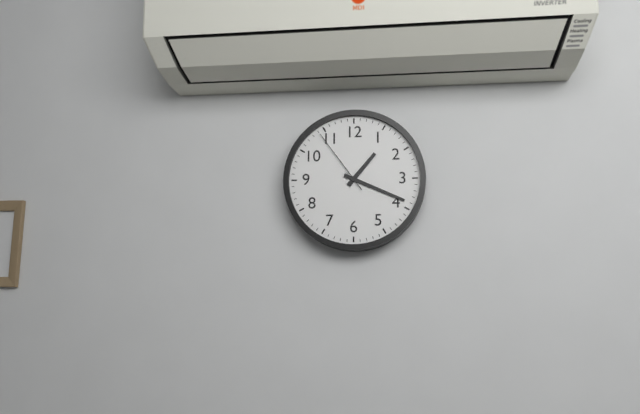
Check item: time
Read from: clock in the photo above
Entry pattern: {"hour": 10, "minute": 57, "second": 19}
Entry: {"hour": 1, "minute": 19, "second": 54}
